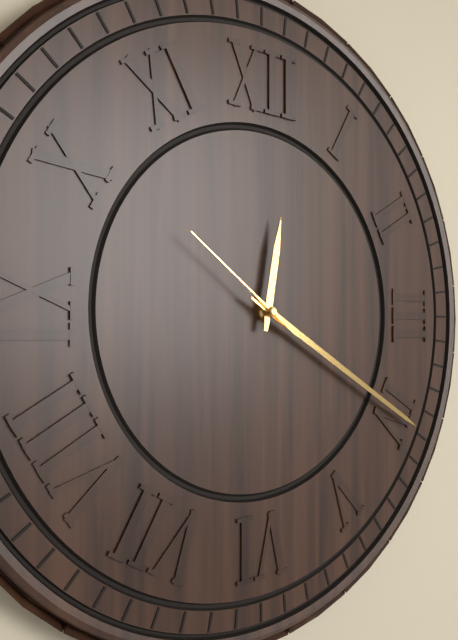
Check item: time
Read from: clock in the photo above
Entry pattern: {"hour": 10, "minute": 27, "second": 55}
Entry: {"hour": 12, "minute": 20, "second": 51}
